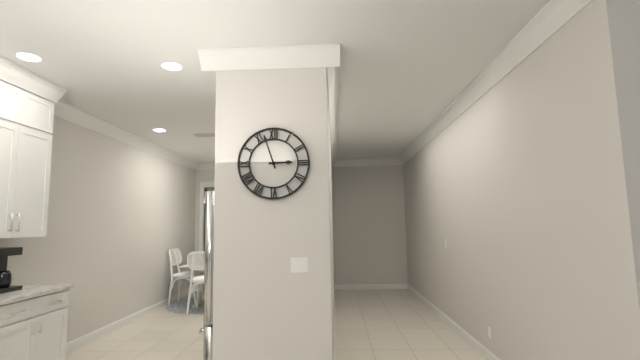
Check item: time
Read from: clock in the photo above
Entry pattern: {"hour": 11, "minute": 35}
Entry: {"hour": 2, "minute": 57}
